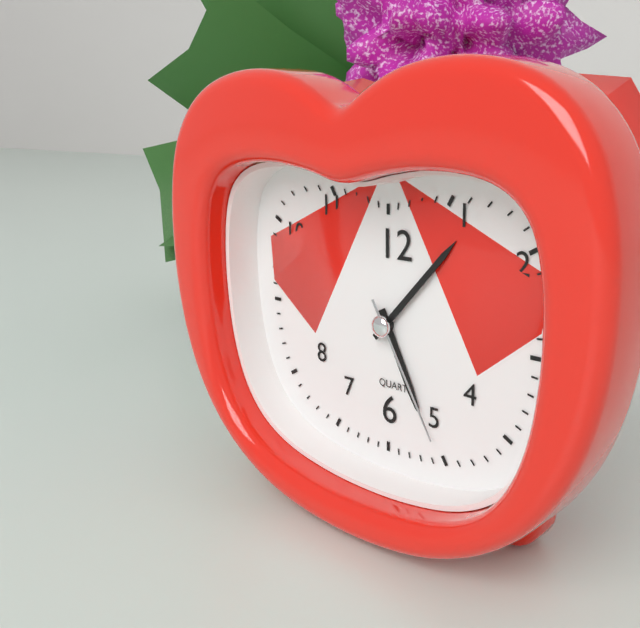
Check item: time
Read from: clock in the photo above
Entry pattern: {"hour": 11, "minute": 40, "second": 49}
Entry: {"hour": 5, "minute": 7, "second": 25}
